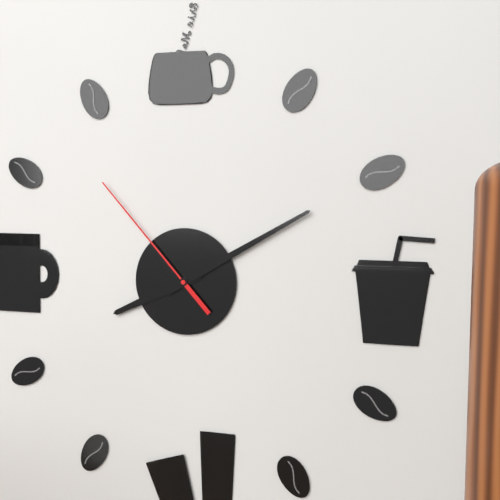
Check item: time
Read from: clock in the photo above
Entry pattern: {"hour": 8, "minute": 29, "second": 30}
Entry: {"hour": 8, "minute": 10, "second": 53}
